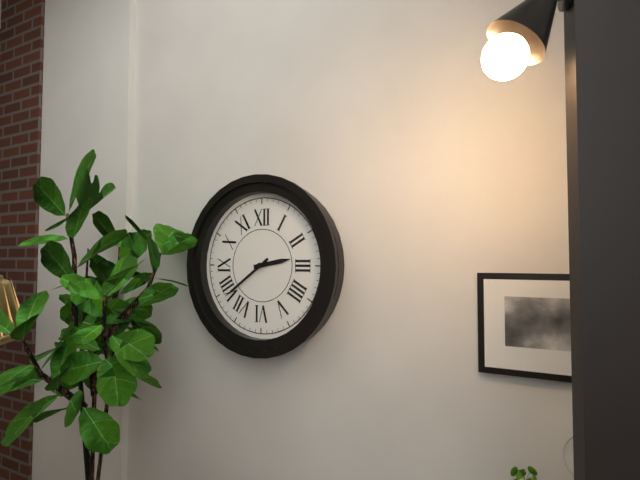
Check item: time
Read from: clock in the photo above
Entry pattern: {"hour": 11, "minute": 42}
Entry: {"hour": 2, "minute": 39}
